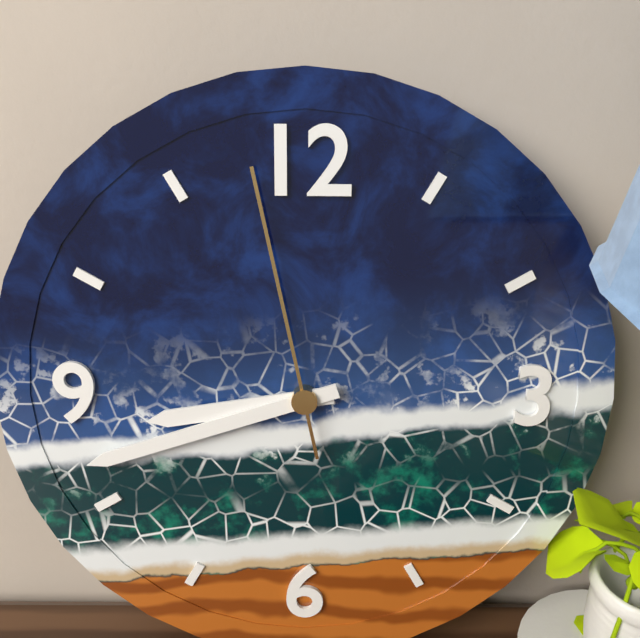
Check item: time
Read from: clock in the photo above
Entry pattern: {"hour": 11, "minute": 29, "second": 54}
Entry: {"hour": 8, "minute": 42, "second": 58}
